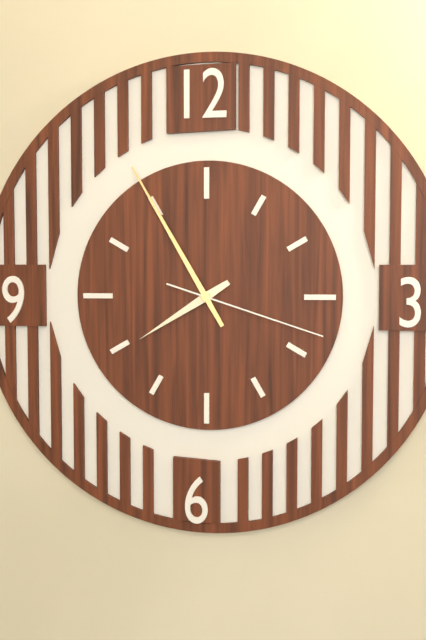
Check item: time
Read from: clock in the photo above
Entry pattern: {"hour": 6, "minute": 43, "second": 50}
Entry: {"hour": 7, "minute": 55, "second": 18}
